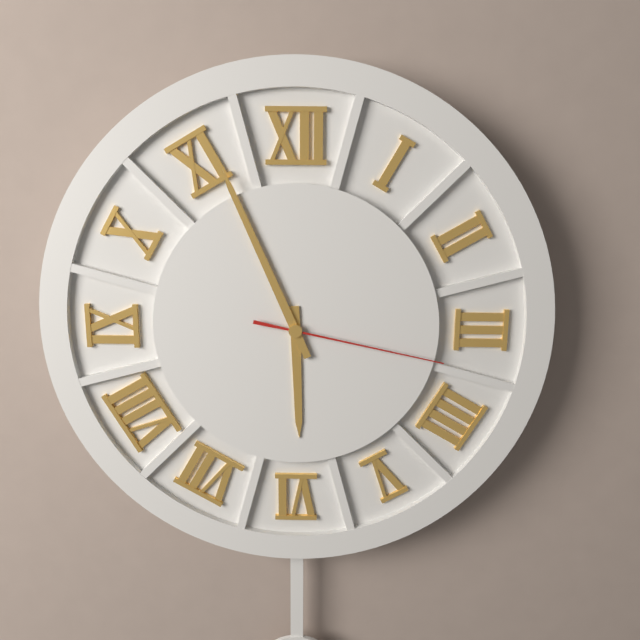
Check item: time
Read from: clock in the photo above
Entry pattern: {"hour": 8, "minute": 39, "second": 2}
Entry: {"hour": 5, "minute": 56, "second": 17}
